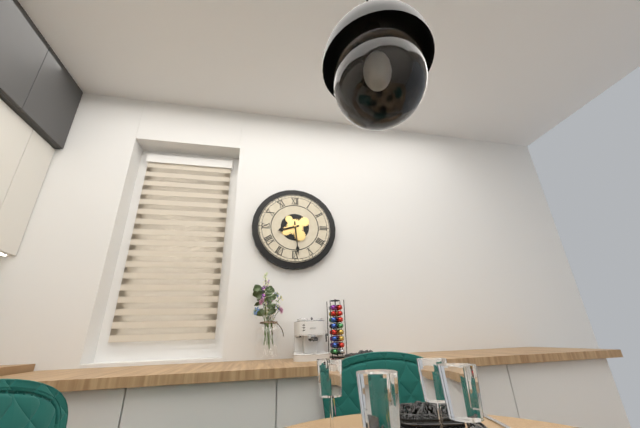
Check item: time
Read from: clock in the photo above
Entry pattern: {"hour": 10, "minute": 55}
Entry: {"hour": 8, "minute": 29}
